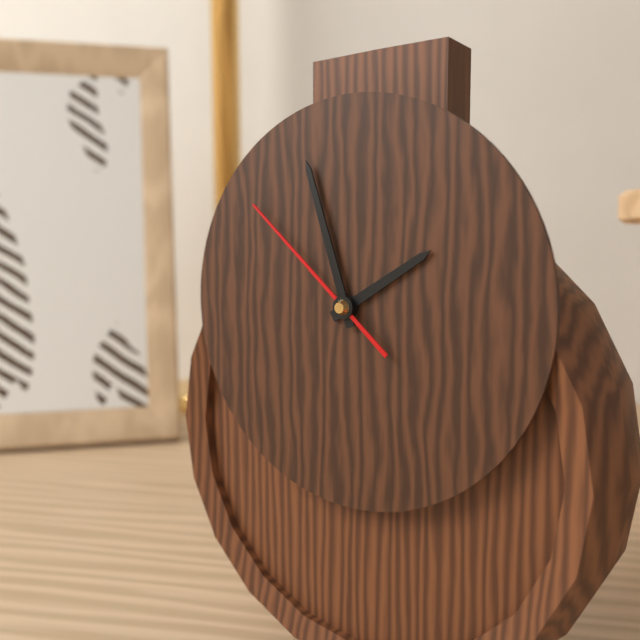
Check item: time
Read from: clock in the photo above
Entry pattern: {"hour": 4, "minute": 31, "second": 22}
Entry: {"hour": 1, "minute": 57, "second": 52}
